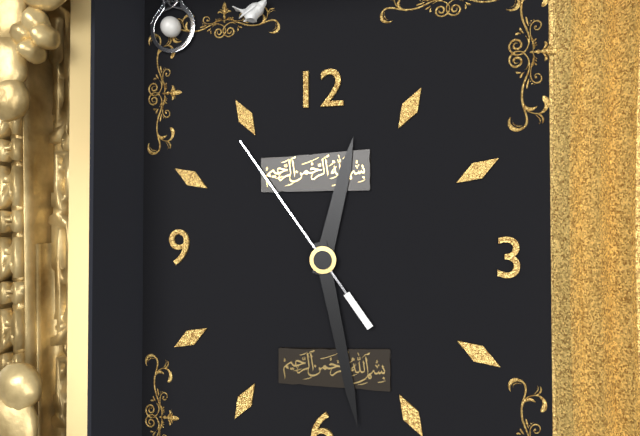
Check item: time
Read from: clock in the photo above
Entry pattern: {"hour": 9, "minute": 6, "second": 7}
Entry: {"hour": 12, "minute": 28, "second": 54}
